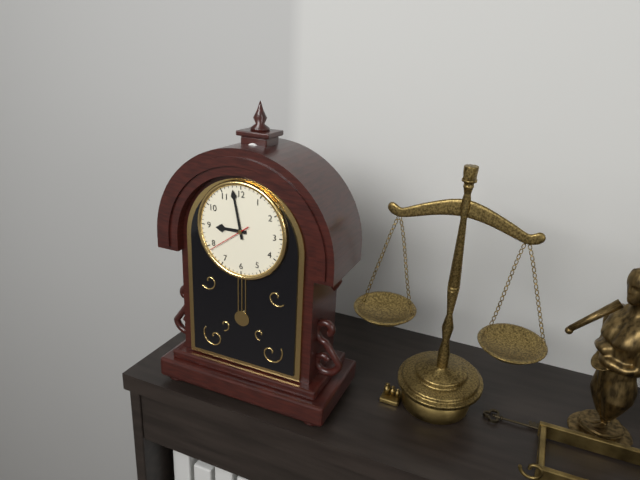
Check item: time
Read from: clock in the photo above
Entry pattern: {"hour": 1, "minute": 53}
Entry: {"hour": 8, "minute": 58}
